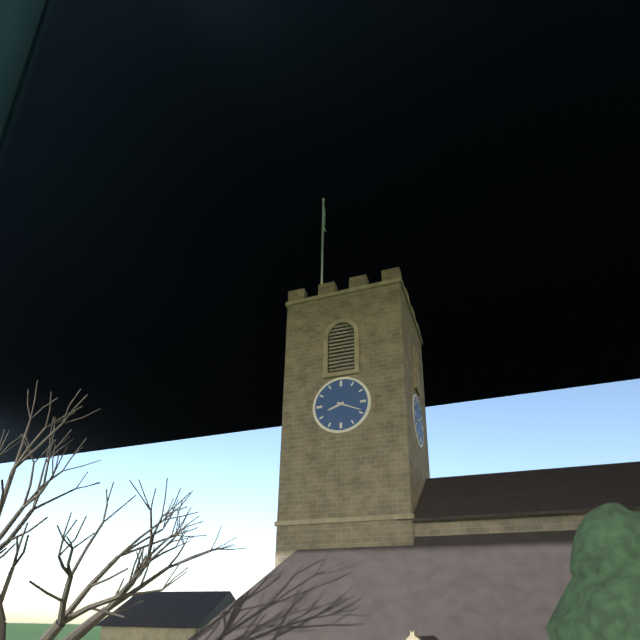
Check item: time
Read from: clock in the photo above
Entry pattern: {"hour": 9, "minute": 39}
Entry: {"hour": 8, "minute": 19}
